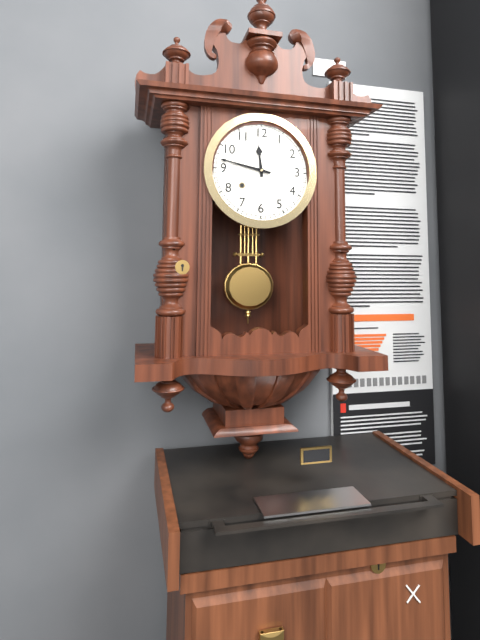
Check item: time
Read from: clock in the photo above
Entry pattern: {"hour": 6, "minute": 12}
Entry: {"hour": 11, "minute": 47}
